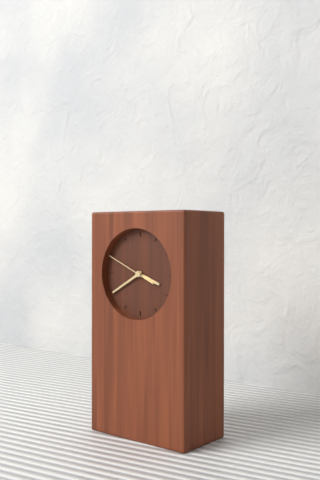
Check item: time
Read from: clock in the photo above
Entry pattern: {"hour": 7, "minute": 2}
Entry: {"hour": 3, "minute": 40}
